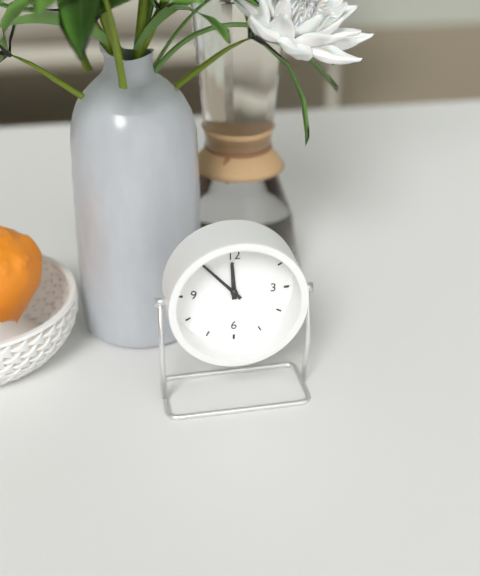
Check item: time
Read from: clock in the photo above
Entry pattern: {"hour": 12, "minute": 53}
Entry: {"hour": 11, "minute": 53}
